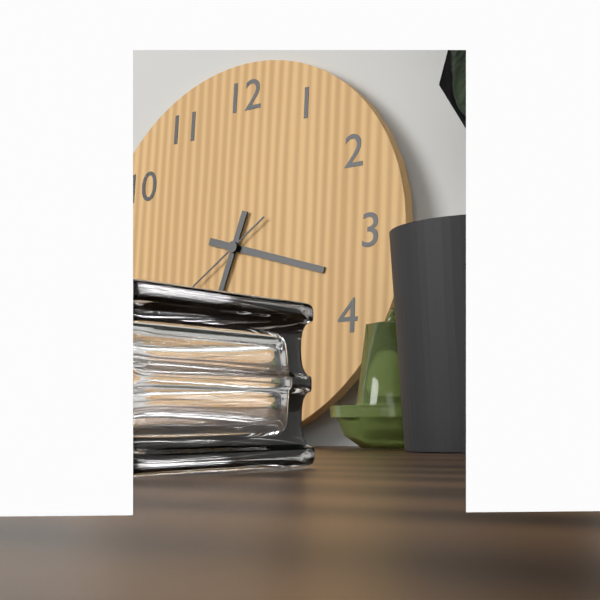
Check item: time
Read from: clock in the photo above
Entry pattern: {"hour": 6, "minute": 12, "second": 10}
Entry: {"hour": 3, "minute": 33, "second": 39}
